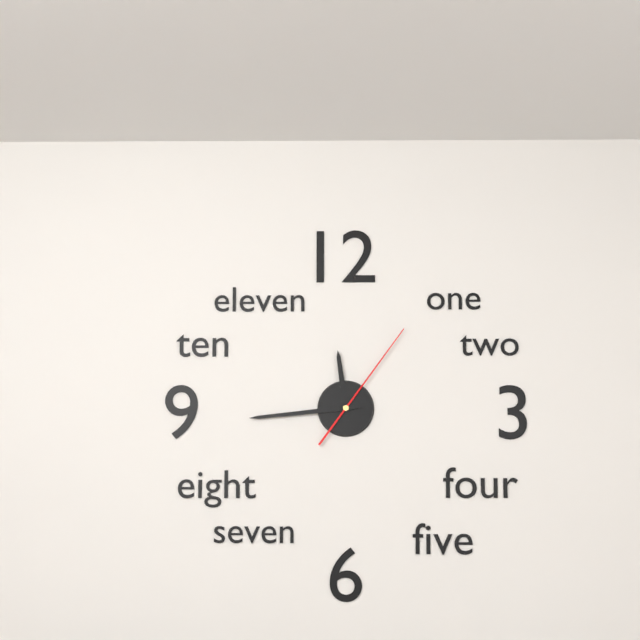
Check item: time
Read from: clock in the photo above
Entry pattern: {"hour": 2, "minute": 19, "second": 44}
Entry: {"hour": 11, "minute": 44, "second": 6}
